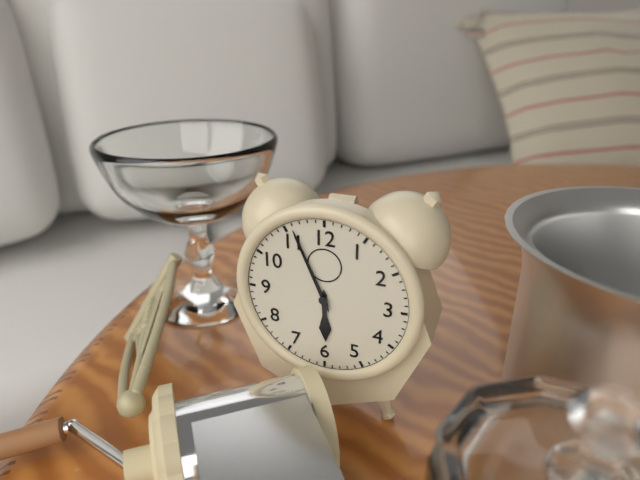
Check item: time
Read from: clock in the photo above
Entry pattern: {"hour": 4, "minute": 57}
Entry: {"hour": 5, "minute": 56}
